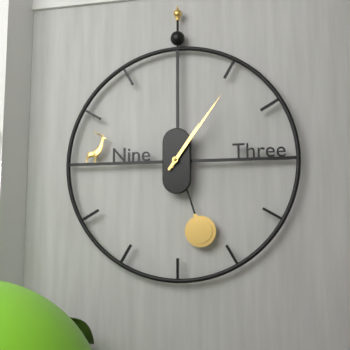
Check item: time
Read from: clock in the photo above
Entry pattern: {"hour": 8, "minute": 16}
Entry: {"hour": 1, "minute": 6}
